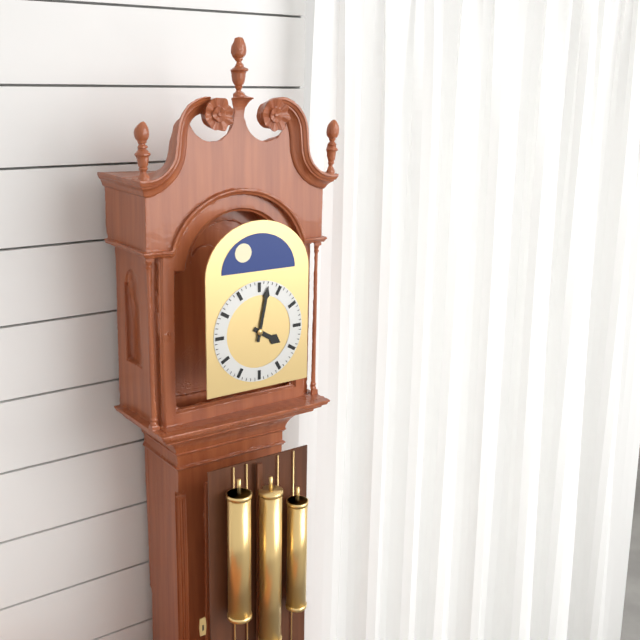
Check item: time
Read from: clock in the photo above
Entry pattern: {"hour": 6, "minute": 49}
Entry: {"hour": 4, "minute": 2}
